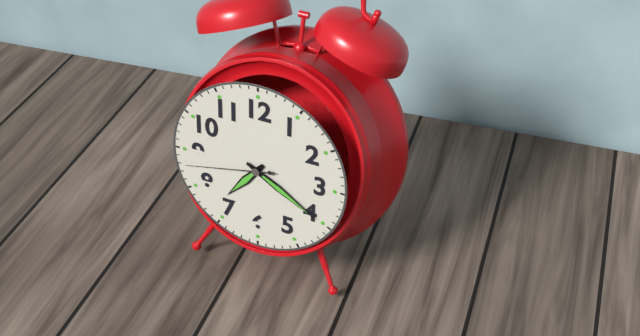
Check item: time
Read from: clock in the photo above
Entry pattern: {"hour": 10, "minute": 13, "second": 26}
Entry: {"hour": 7, "minute": 20, "second": 43}
